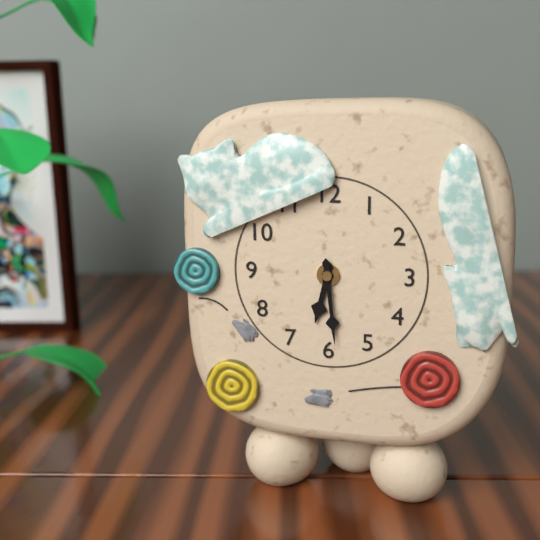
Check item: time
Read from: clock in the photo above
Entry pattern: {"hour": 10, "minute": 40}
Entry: {"hour": 6, "minute": 29}
